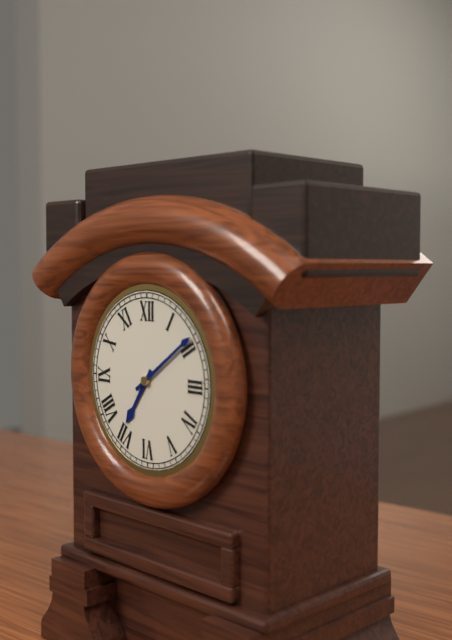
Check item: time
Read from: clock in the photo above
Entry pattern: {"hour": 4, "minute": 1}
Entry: {"hour": 7, "minute": 9}
